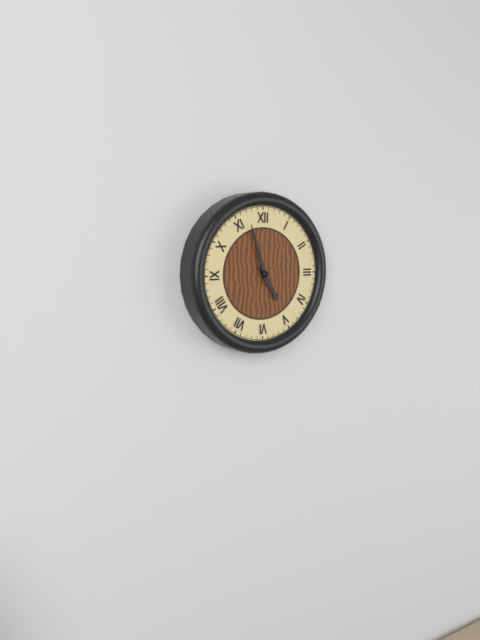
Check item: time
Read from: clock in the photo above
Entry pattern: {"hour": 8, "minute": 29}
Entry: {"hour": 4, "minute": 57}
